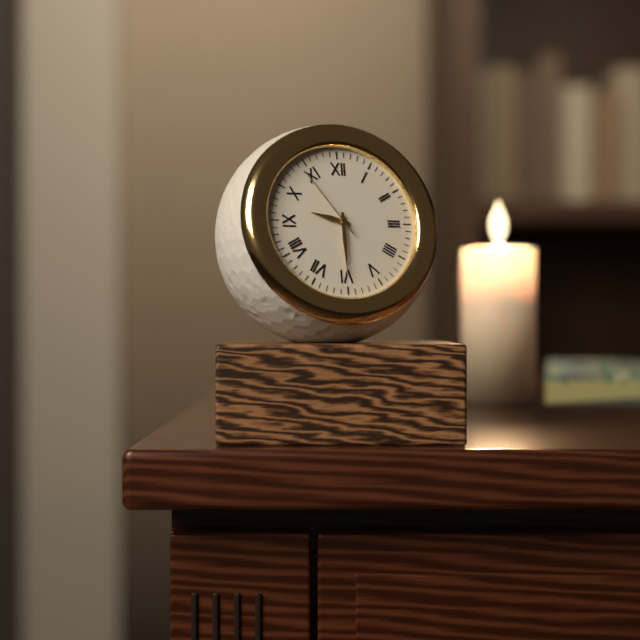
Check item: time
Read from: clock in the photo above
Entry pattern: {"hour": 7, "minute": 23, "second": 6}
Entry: {"hour": 9, "minute": 30, "second": 54}
